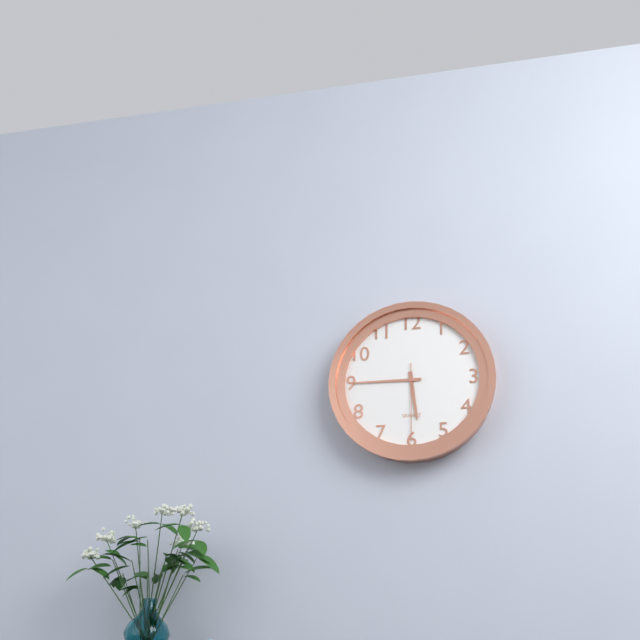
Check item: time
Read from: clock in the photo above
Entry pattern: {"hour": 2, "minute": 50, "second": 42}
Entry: {"hour": 5, "minute": 45, "second": 30}
